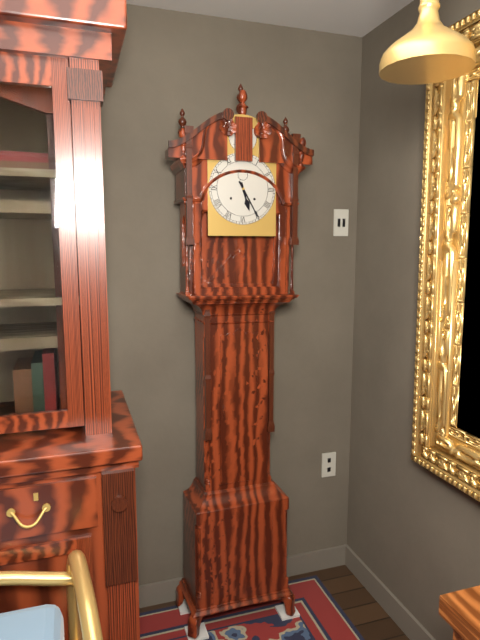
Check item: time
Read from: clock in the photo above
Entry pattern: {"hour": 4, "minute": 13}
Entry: {"hour": 5, "minute": 25}
